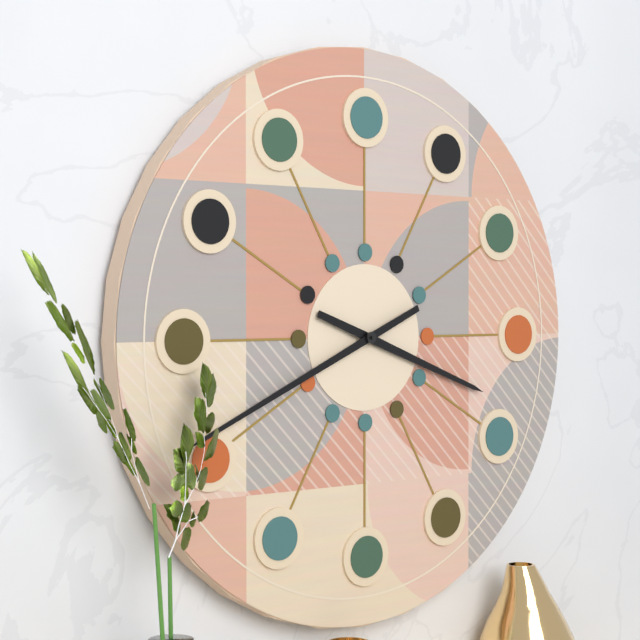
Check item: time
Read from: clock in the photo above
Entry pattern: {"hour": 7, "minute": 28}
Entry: {"hour": 3, "minute": 41}
